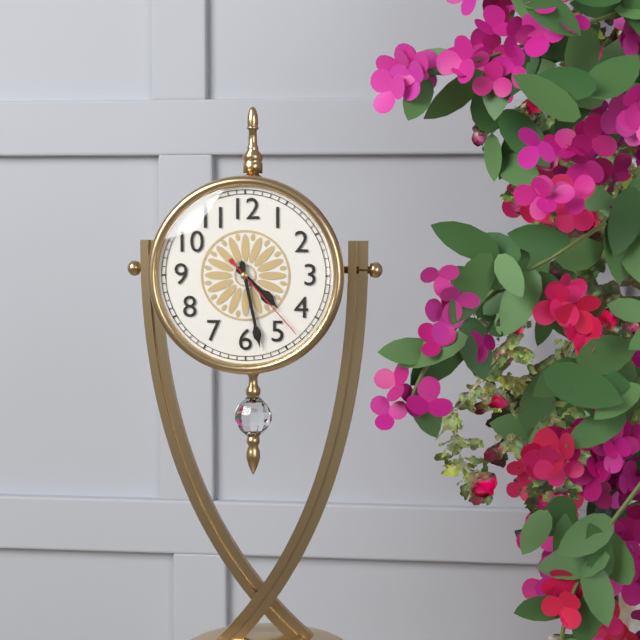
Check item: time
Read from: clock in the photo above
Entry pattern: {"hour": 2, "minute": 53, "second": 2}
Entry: {"hour": 4, "minute": 28, "second": 23}
